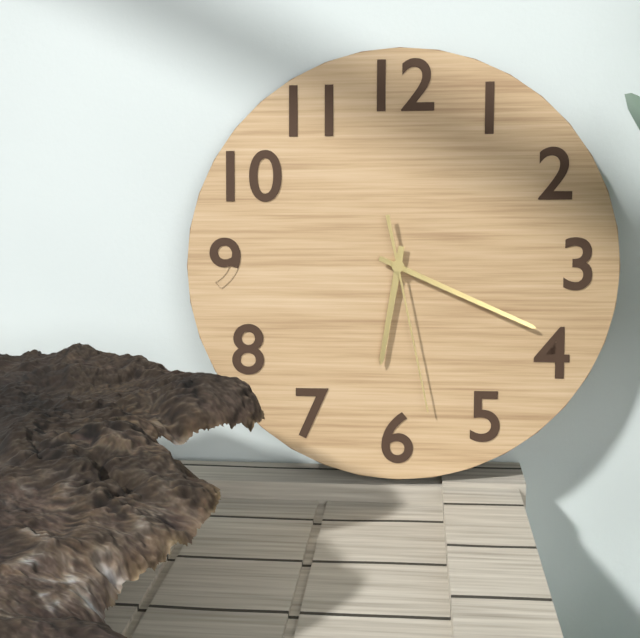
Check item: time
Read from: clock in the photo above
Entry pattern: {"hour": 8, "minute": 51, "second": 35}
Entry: {"hour": 6, "minute": 19, "second": 28}
